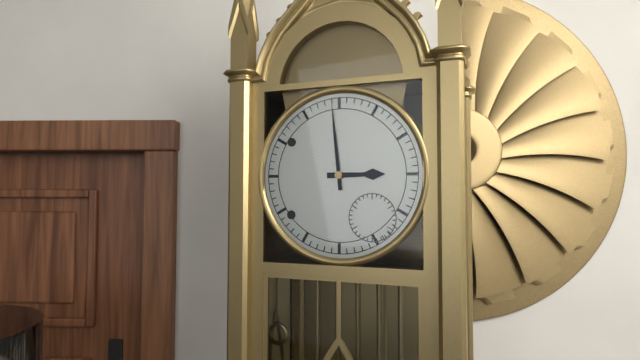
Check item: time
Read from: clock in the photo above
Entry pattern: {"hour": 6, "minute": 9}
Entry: {"hour": 2, "minute": 59}
